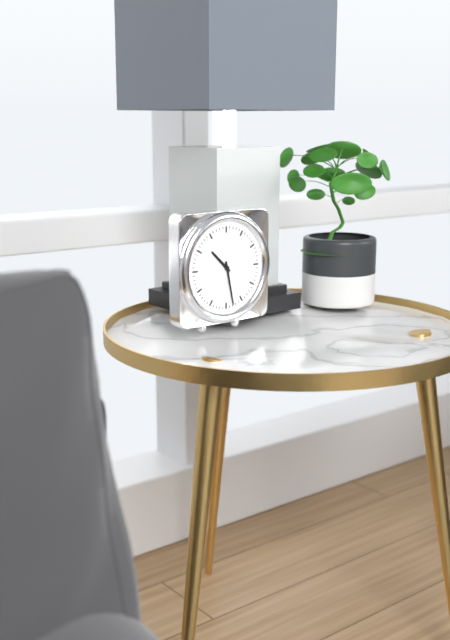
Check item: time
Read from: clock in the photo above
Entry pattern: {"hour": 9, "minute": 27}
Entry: {"hour": 10, "minute": 28}
